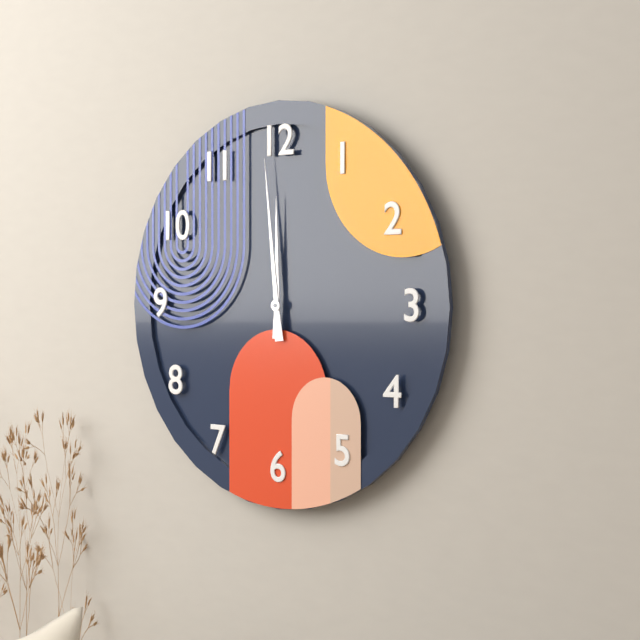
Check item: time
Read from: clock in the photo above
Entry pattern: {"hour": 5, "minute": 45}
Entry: {"hour": 11, "minute": 59}
